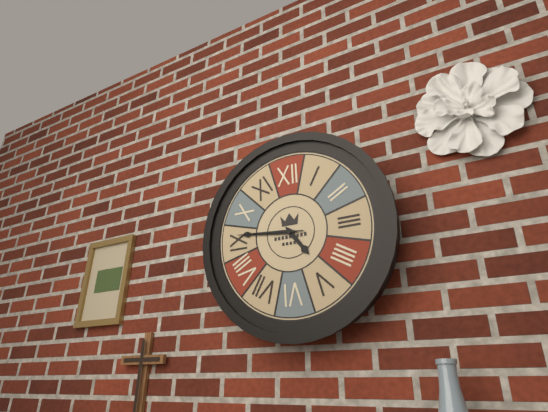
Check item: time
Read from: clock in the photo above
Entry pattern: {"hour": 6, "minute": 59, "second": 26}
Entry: {"hour": 4, "minute": 46, "second": 46}
